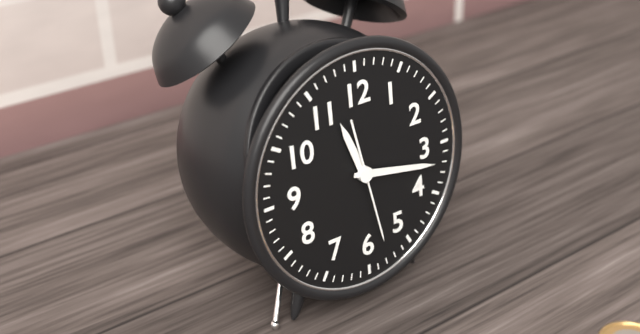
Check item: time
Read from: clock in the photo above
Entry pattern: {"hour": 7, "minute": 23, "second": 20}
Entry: {"hour": 11, "minute": 17, "second": 28}
